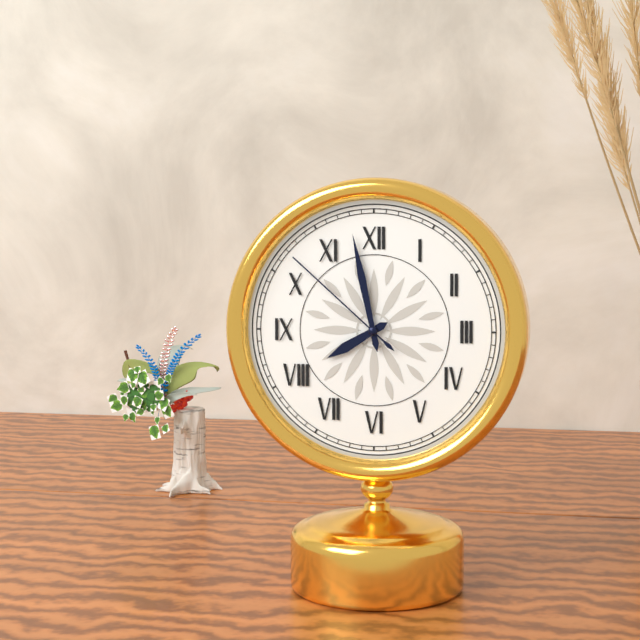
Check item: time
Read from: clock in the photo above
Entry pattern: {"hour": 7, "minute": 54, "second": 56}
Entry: {"hour": 7, "minute": 58, "second": 52}
